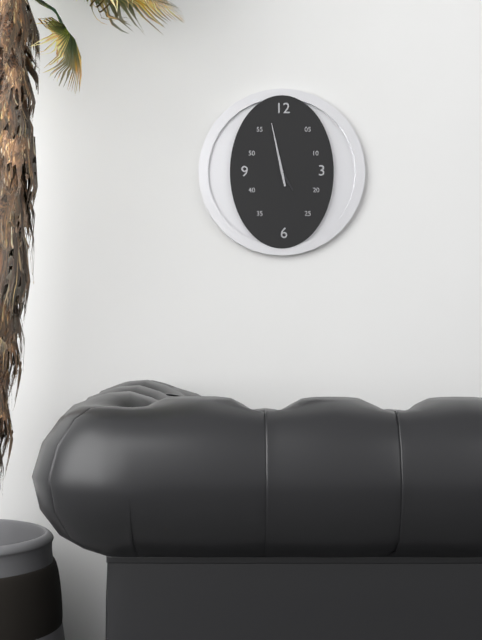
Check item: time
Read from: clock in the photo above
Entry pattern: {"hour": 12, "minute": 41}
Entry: {"hour": 4, "minute": 58}
